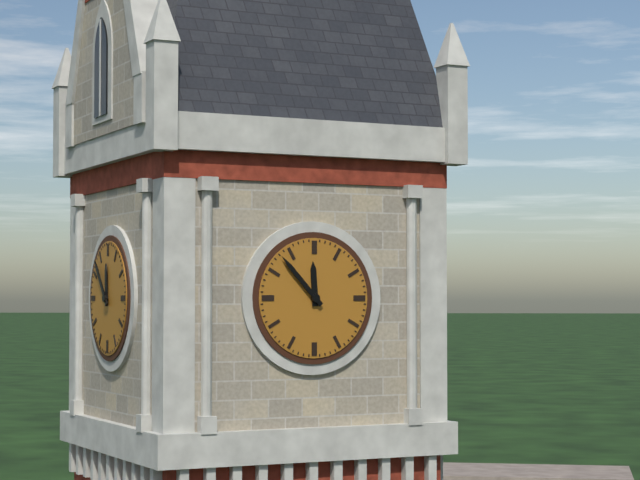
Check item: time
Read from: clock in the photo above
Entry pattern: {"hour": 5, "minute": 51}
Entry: {"hour": 11, "minute": 53}
